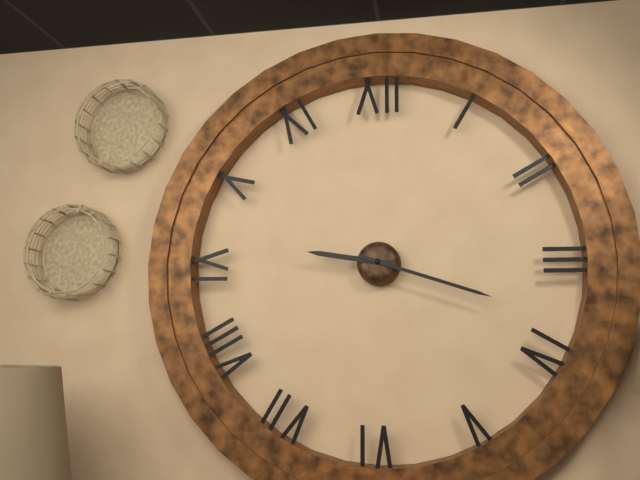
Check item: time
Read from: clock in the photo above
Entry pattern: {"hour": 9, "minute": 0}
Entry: {"hour": 9, "minute": 18}
